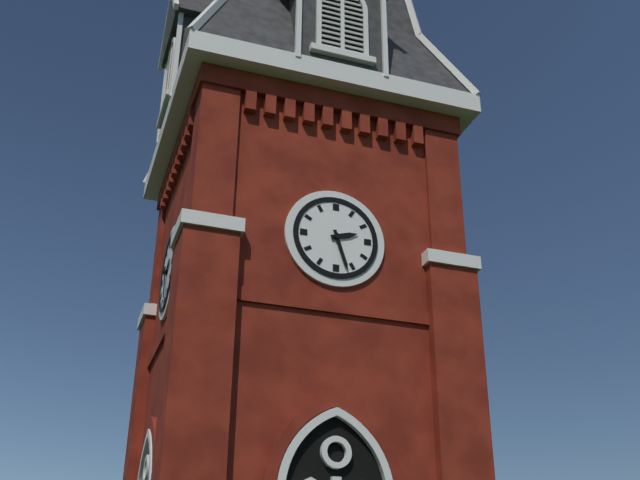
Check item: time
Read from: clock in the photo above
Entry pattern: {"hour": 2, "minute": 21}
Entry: {"hour": 2, "minute": 27}
